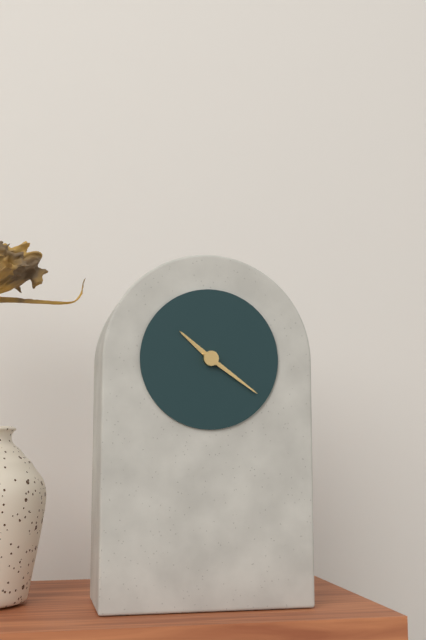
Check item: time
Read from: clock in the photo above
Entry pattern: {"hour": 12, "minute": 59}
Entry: {"hour": 10, "minute": 21}
